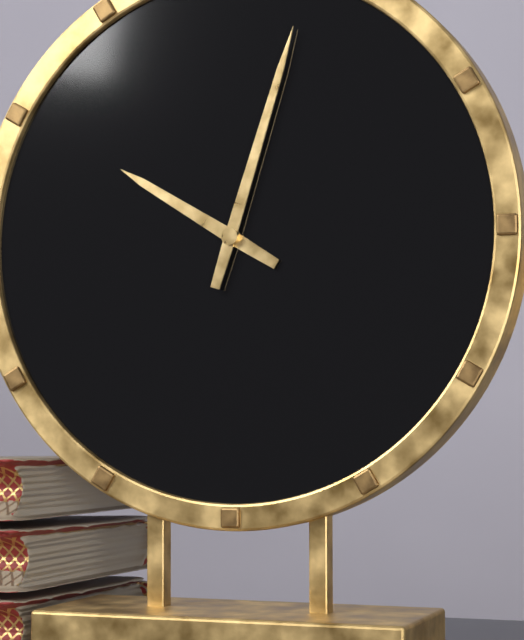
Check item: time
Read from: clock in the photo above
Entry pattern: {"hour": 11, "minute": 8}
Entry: {"hour": 10, "minute": 3}
